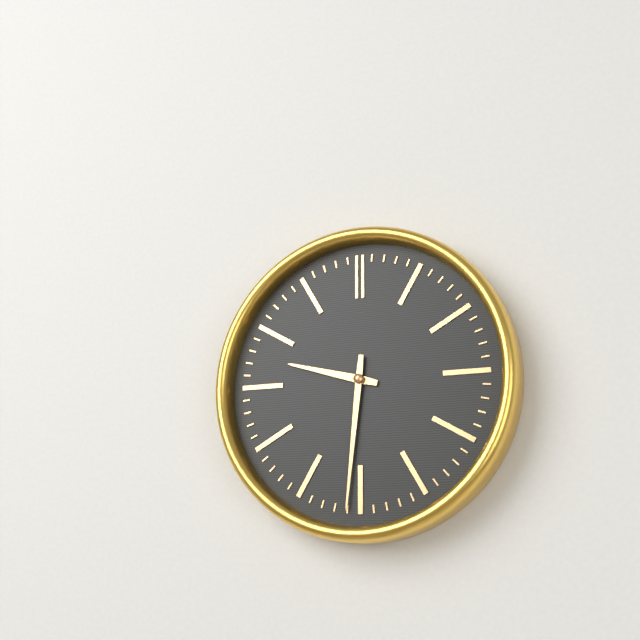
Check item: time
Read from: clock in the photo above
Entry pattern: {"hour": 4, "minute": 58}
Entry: {"hour": 9, "minute": 31}
